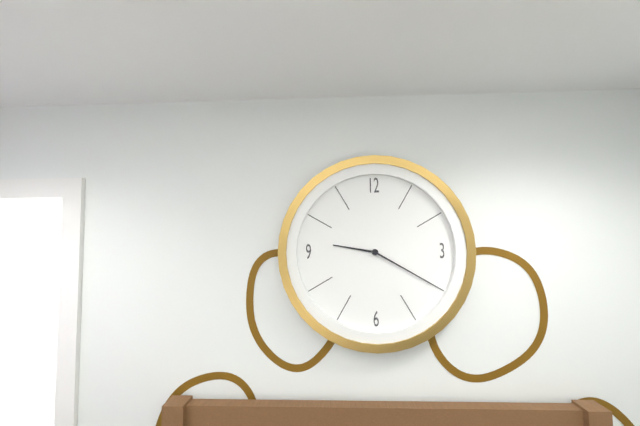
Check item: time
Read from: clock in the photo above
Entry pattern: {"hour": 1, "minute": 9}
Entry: {"hour": 9, "minute": 20}
